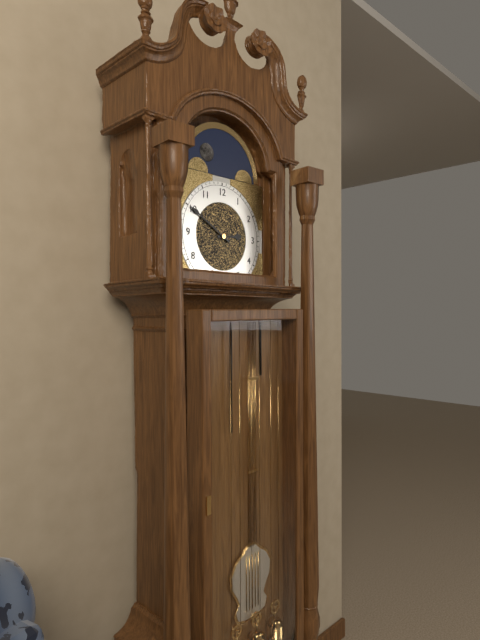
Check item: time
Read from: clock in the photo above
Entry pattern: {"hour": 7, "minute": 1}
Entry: {"hour": 2, "minute": 50}
